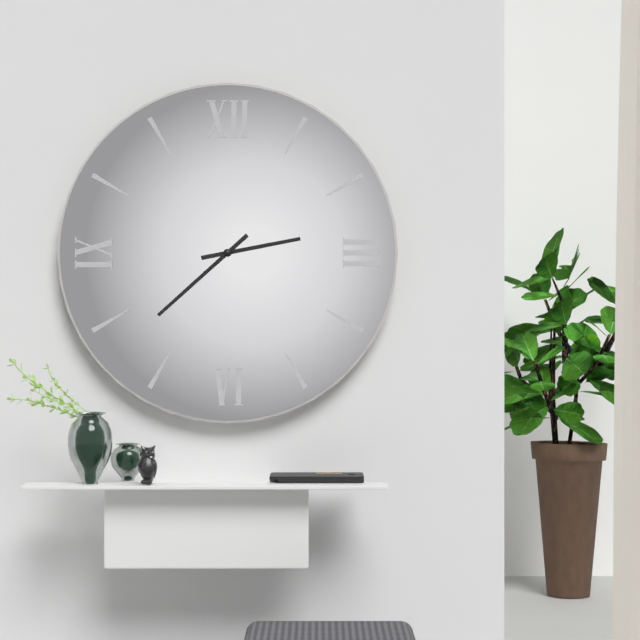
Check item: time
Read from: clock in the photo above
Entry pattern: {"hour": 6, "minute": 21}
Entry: {"hour": 2, "minute": 38}
